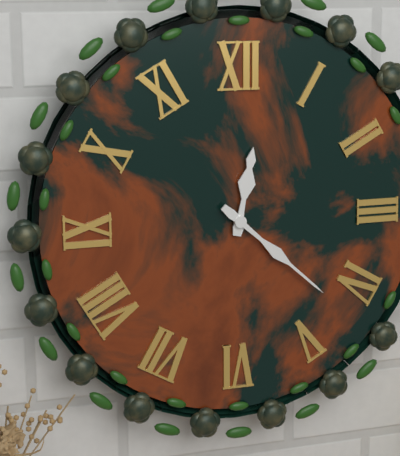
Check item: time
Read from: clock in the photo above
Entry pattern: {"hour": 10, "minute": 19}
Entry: {"hour": 12, "minute": 22}
